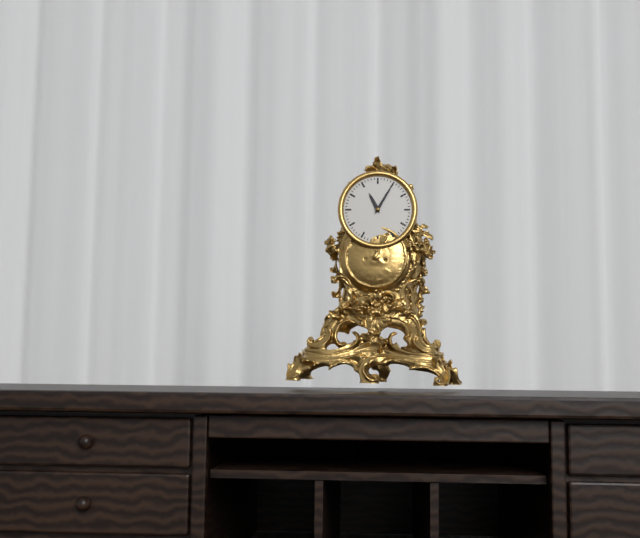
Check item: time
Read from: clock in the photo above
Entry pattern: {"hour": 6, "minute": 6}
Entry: {"hour": 11, "minute": 5}
